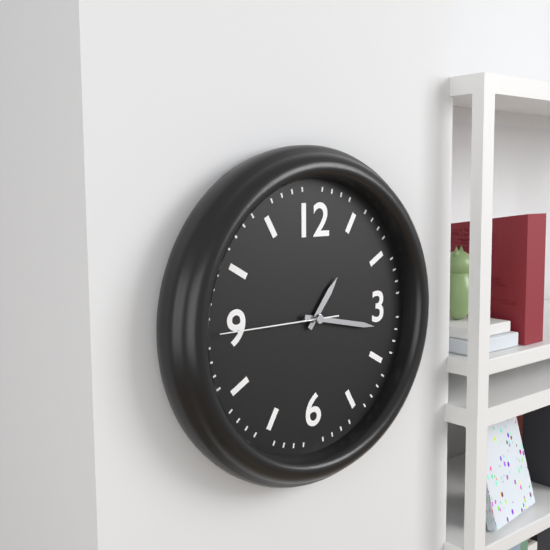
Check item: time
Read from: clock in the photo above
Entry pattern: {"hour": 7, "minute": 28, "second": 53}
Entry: {"hour": 1, "minute": 17, "second": 45}
